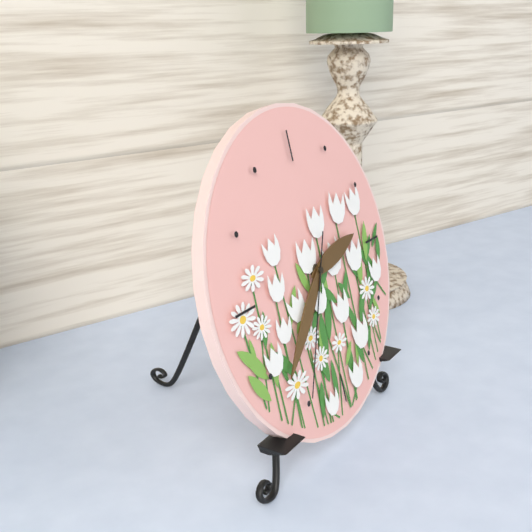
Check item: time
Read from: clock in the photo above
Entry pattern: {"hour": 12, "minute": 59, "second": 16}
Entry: {"hour": 2, "minute": 38, "second": 35}
